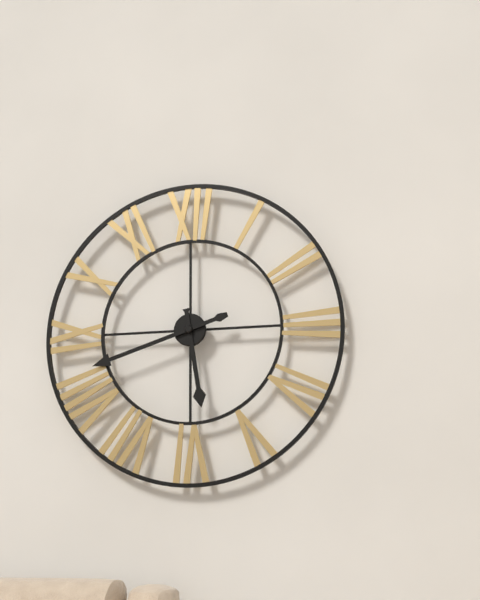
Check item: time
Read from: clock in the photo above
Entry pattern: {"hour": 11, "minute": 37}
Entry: {"hour": 5, "minute": 42}
